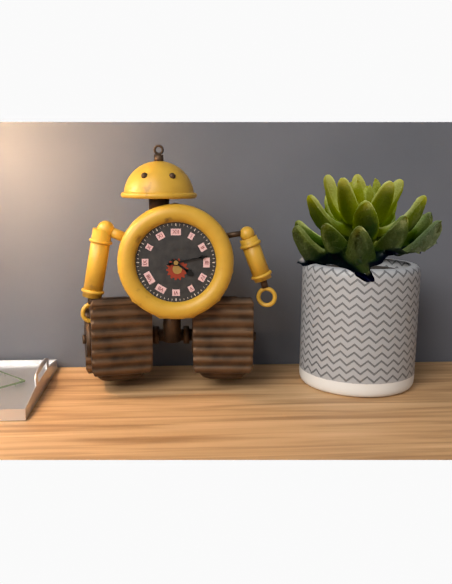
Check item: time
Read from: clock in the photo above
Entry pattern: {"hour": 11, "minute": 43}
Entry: {"hour": 4, "minute": 13}
